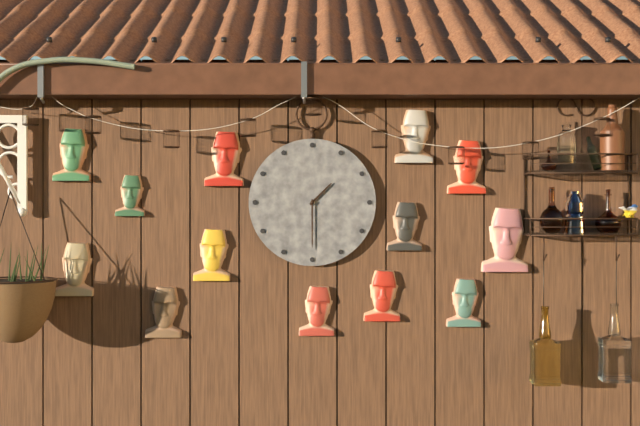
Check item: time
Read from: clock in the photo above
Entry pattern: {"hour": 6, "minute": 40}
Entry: {"hour": 1, "minute": 30}
